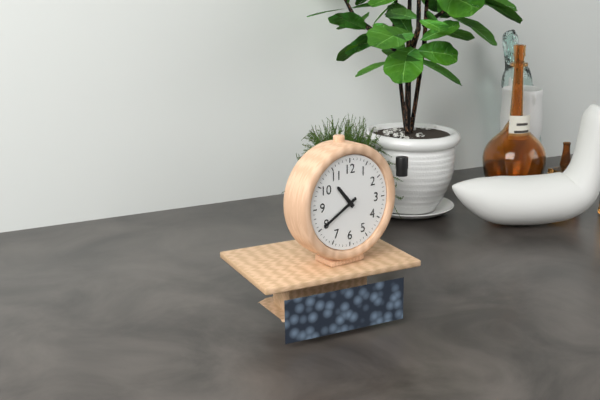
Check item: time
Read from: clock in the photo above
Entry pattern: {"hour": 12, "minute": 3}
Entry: {"hour": 10, "minute": 40}
